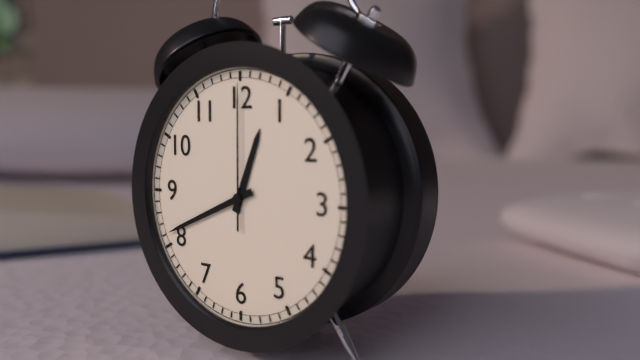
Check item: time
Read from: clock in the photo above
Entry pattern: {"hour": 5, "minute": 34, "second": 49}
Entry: {"hour": 12, "minute": 41, "second": 0}
